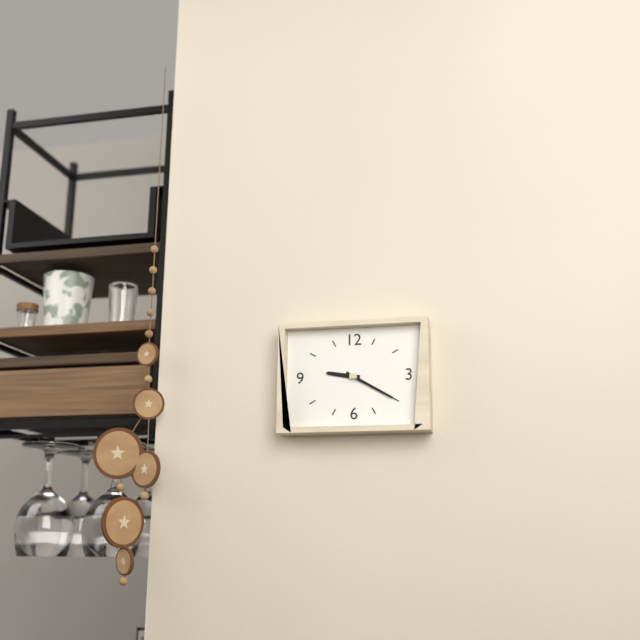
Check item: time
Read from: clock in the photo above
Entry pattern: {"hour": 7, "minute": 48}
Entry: {"hour": 9, "minute": 20}
